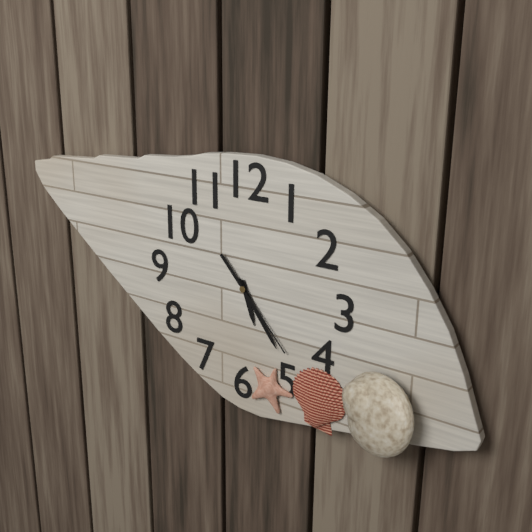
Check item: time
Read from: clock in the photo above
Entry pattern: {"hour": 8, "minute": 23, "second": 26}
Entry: {"hour": 5, "minute": 24, "second": 23}
